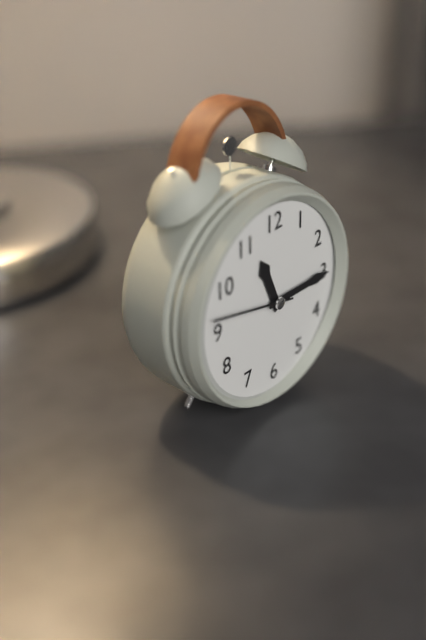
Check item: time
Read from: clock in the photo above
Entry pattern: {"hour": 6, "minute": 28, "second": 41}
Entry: {"hour": 11, "minute": 15, "second": 47}
